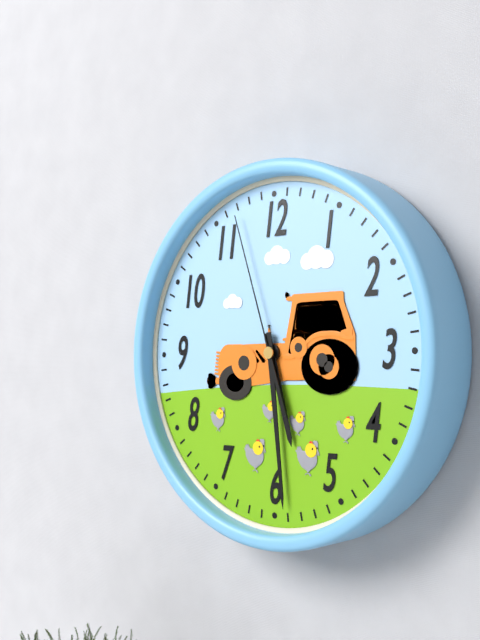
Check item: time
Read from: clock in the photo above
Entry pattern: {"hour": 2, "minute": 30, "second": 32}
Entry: {"hour": 5, "minute": 29, "second": 57}
